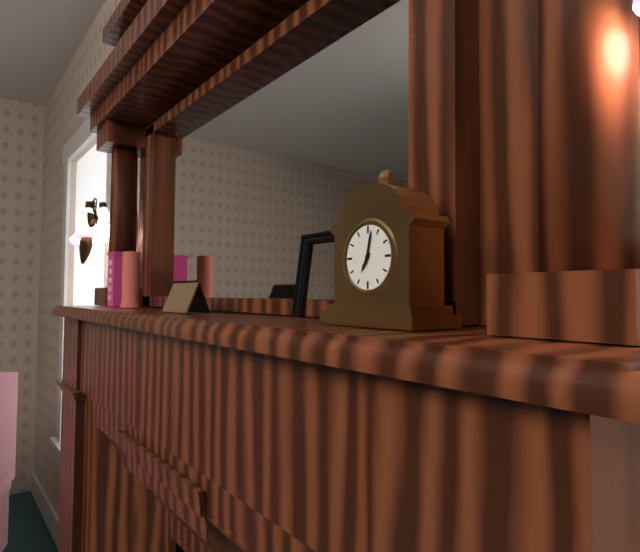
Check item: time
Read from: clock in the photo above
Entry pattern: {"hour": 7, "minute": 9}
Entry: {"hour": 7, "minute": 2}
